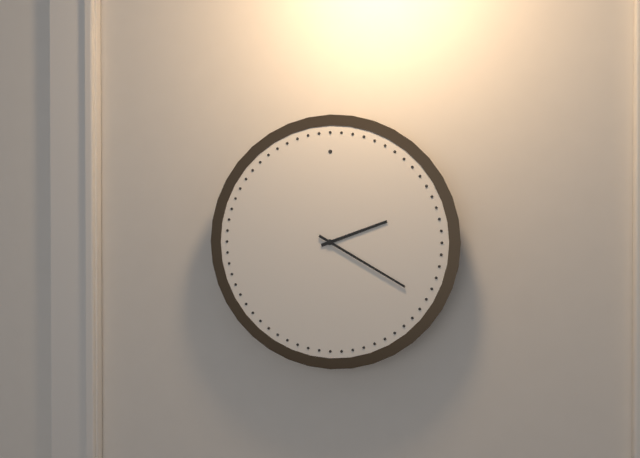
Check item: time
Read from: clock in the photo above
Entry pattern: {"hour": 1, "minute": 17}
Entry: {"hour": 2, "minute": 20}
